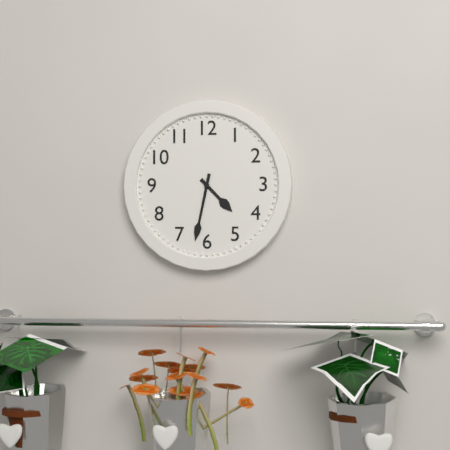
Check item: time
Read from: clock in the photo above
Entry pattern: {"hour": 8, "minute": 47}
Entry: {"hour": 4, "minute": 32}
